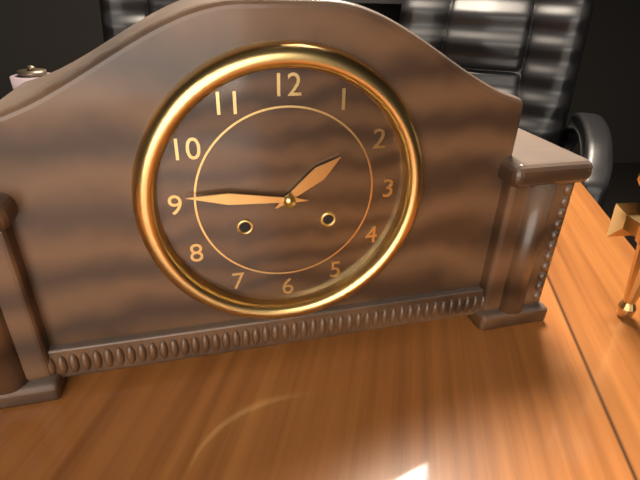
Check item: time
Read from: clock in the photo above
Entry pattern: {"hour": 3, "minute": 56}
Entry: {"hour": 1, "minute": 46}
